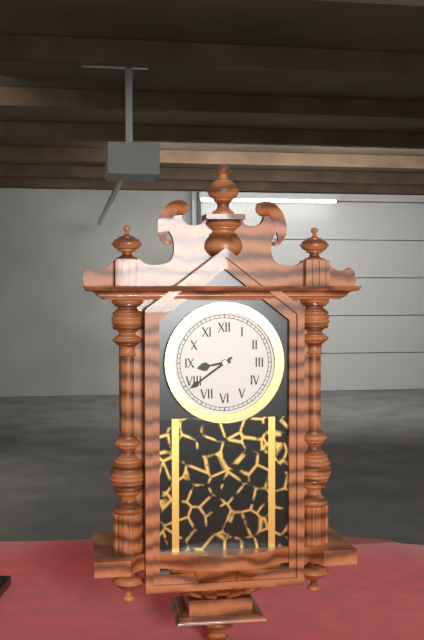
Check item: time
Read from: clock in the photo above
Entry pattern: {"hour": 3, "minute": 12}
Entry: {"hour": 8, "minute": 39}
